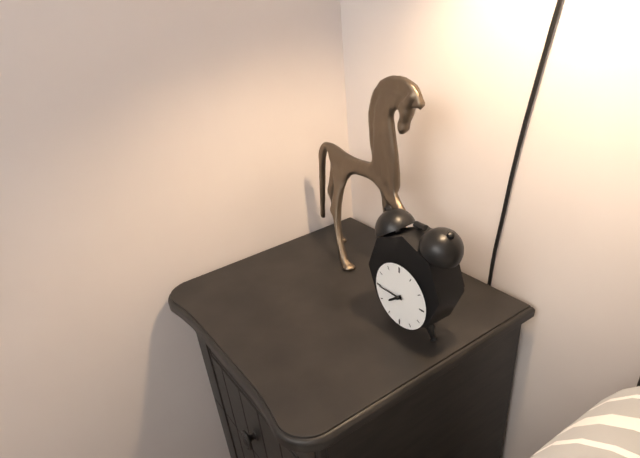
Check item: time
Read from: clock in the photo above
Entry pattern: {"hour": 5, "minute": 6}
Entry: {"hour": 7, "minute": 45}
